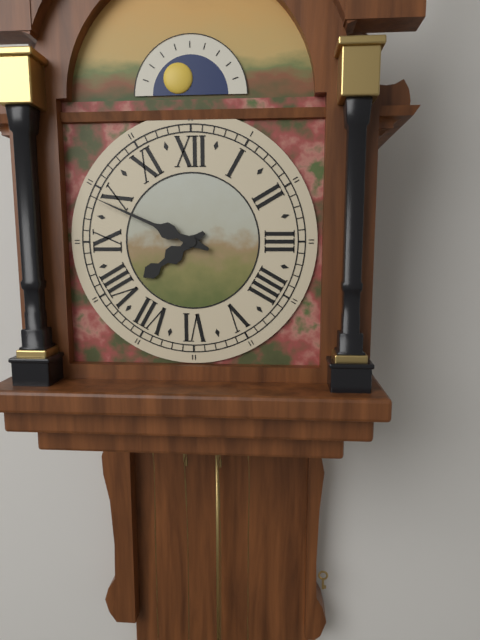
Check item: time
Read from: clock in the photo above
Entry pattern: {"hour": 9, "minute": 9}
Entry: {"hour": 7, "minute": 49}
